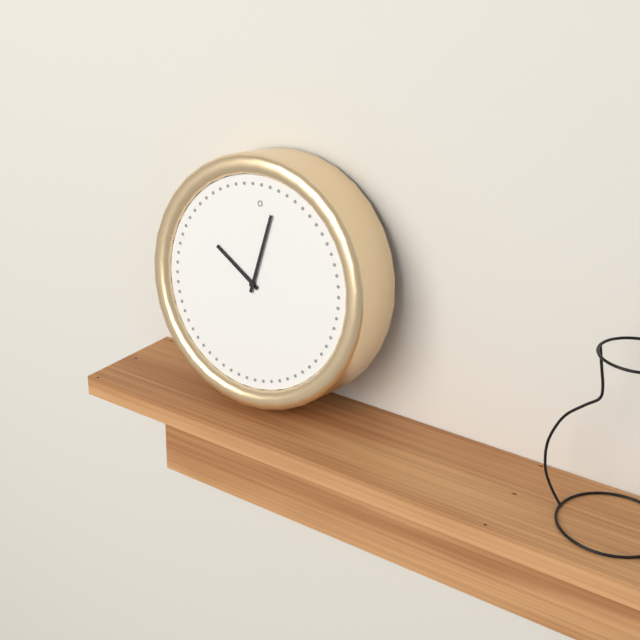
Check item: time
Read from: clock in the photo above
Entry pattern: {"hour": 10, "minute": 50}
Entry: {"hour": 10, "minute": 2}
